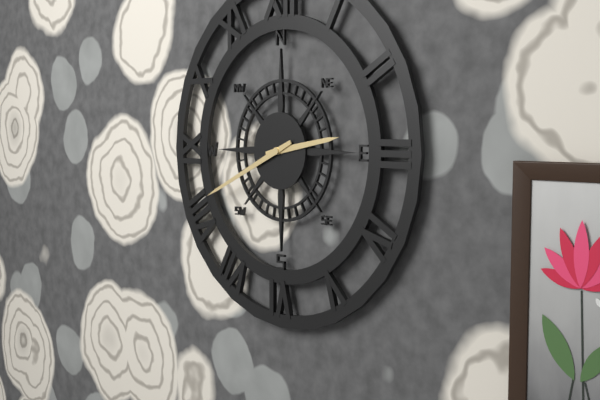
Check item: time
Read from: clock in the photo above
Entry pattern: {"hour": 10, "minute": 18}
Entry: {"hour": 2, "minute": 41}
